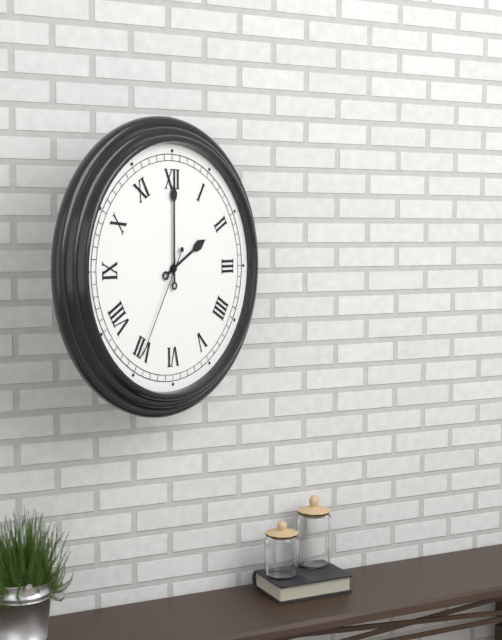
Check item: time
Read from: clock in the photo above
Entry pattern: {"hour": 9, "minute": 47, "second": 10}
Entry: {"hour": 2, "minute": 0, "second": 35}
